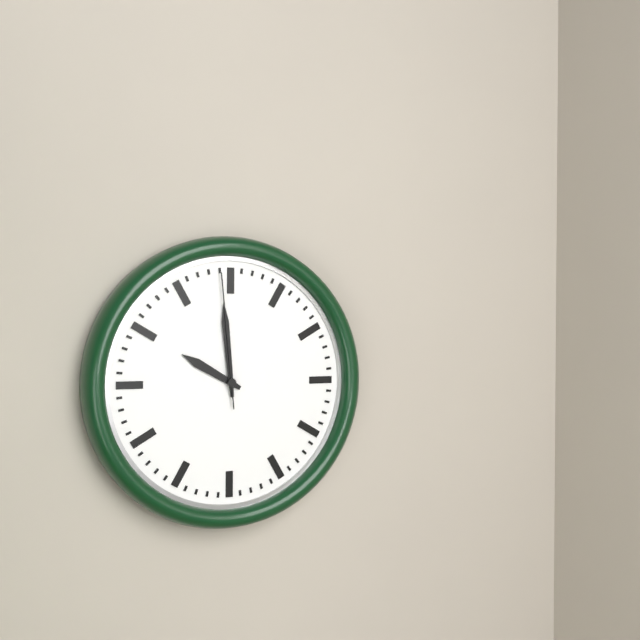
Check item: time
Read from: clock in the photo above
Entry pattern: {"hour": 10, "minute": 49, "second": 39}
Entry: {"hour": 9, "minute": 59, "second": 59}
